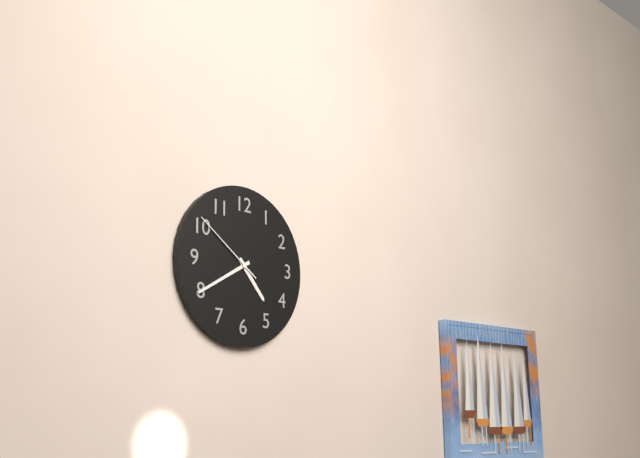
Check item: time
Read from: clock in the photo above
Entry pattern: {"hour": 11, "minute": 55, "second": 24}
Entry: {"hour": 4, "minute": 40, "second": 51}
